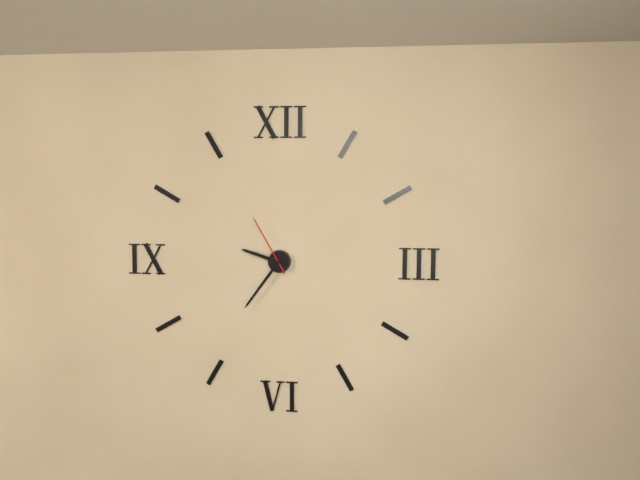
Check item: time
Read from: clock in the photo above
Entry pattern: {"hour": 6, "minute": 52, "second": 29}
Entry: {"hour": 9, "minute": 36, "second": 55}
